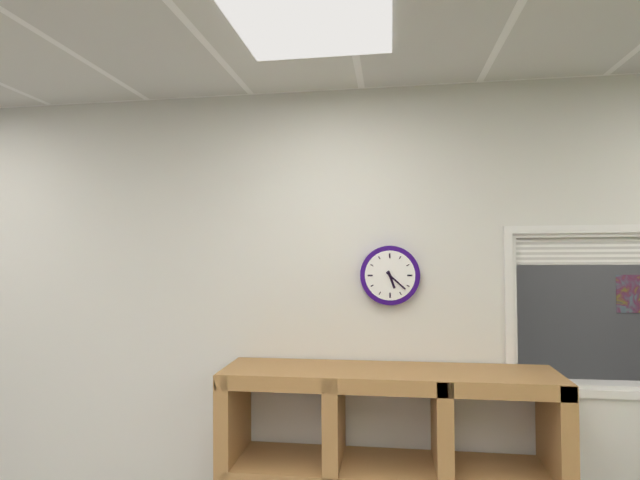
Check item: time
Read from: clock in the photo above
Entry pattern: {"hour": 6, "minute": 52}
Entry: {"hour": 5, "minute": 22}
